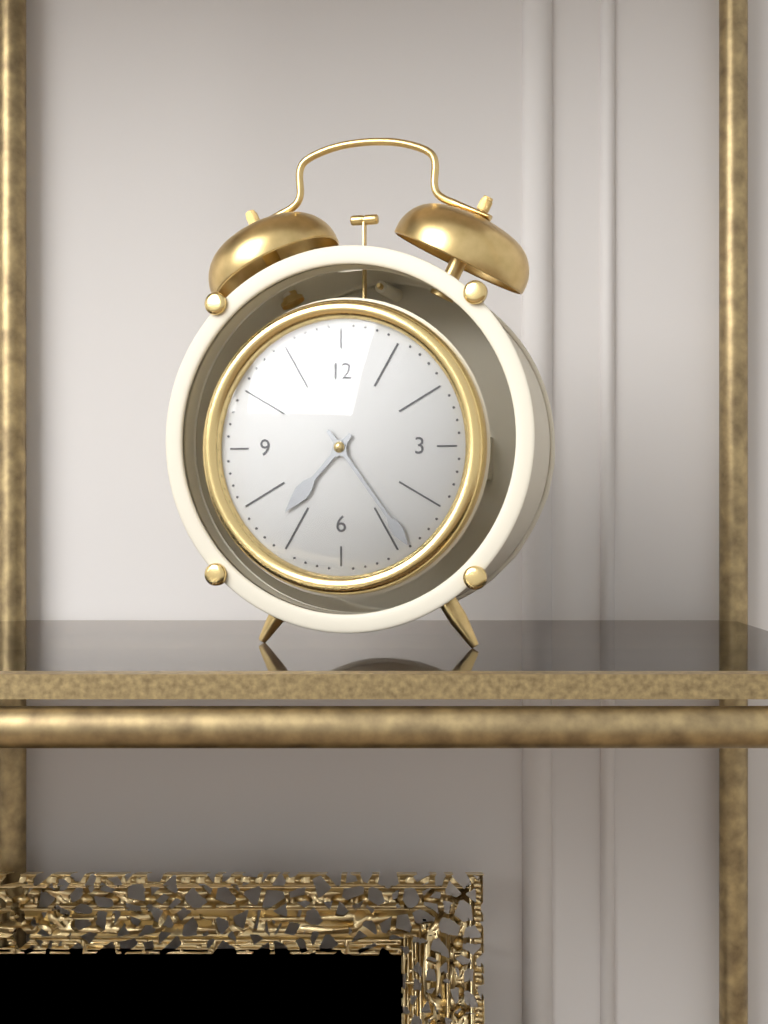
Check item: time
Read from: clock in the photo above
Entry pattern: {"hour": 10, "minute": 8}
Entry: {"hour": 7, "minute": 24}
